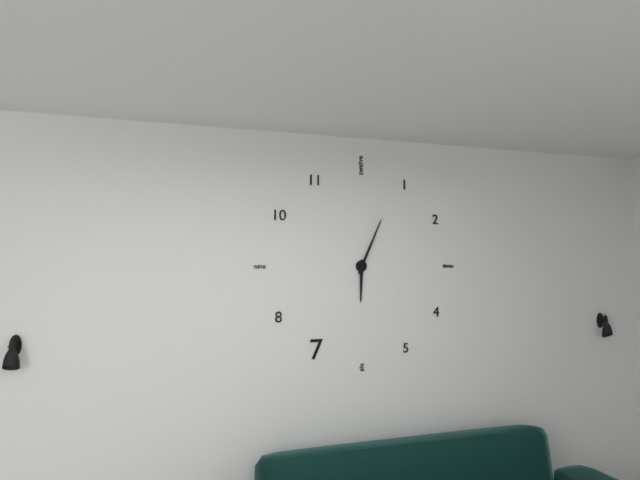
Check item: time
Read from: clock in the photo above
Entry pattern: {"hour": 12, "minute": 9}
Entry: {"hour": 6, "minute": 4}
